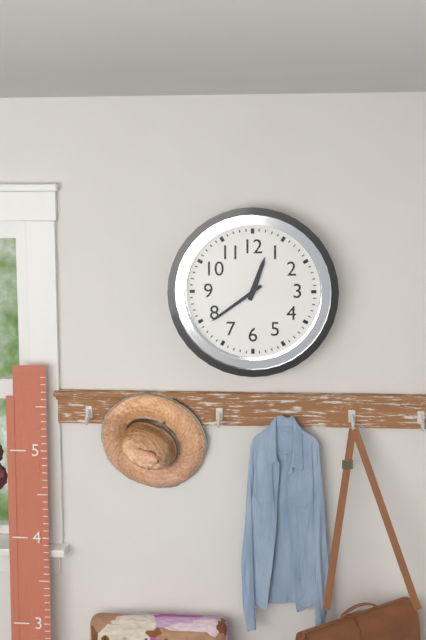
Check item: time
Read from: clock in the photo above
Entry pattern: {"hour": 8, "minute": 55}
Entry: {"hour": 12, "minute": 39}
